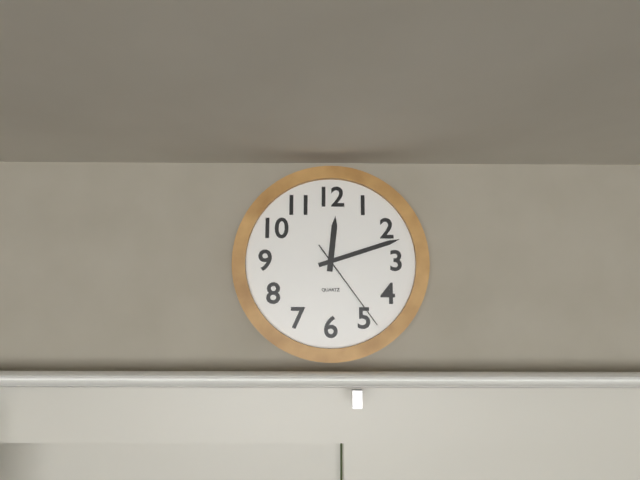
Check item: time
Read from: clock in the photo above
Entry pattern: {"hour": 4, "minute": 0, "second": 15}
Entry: {"hour": 12, "minute": 12, "second": 24}
